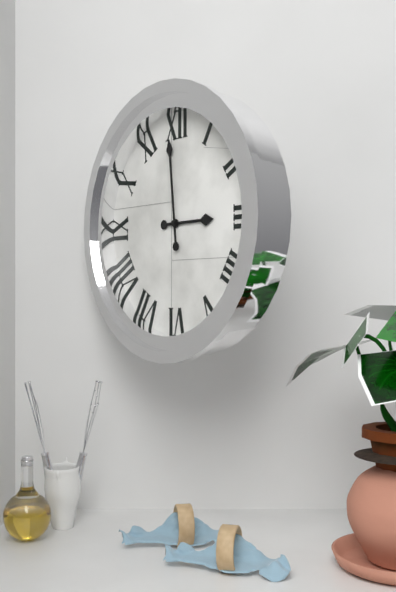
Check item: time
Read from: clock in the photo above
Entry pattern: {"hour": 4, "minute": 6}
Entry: {"hour": 2, "minute": 59}
